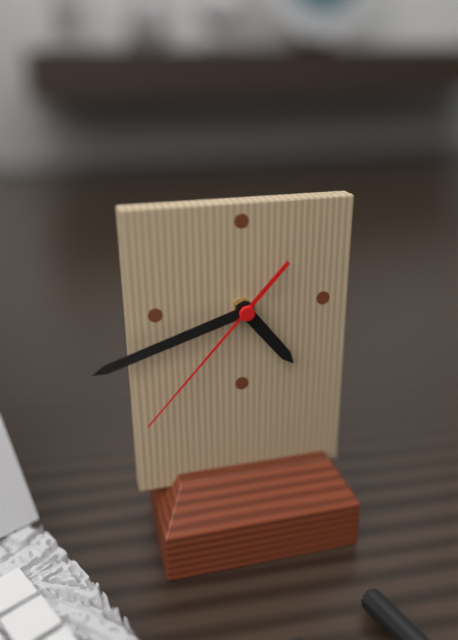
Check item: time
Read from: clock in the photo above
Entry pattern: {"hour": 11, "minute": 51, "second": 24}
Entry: {"hour": 4, "minute": 42, "second": 37}
